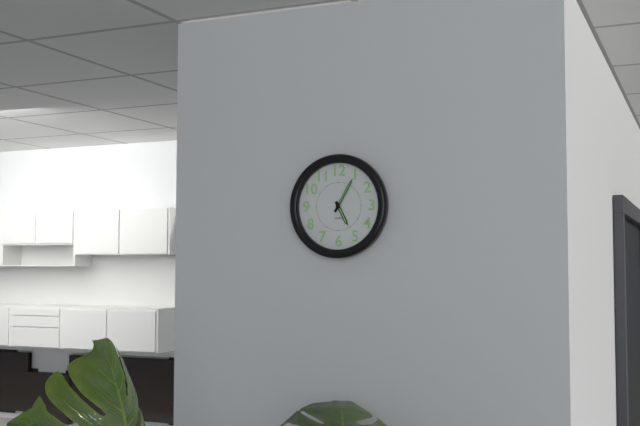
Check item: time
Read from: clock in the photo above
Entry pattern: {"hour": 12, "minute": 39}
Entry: {"hour": 5, "minute": 5}
